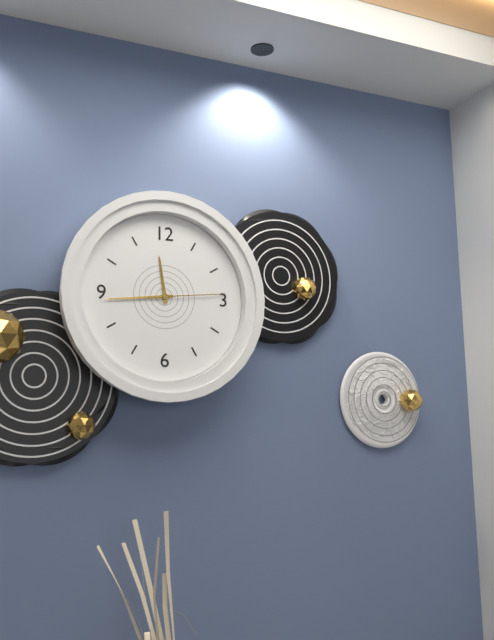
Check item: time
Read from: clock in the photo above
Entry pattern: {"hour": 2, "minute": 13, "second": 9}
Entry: {"hour": 11, "minute": 44, "second": 14}
